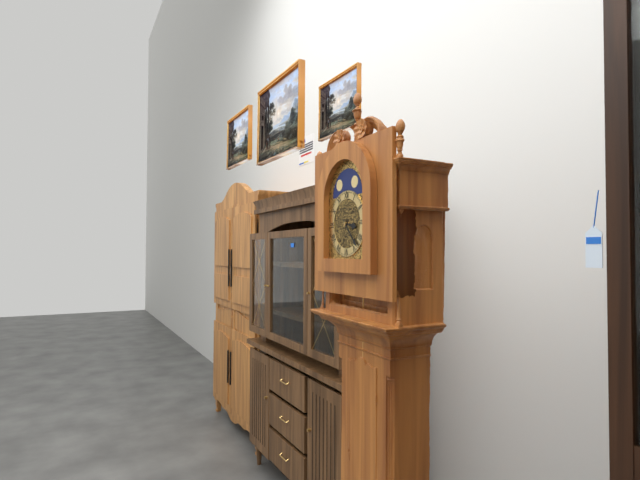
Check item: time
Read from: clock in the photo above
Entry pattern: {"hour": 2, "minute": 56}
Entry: {"hour": 3, "minute": 23}
